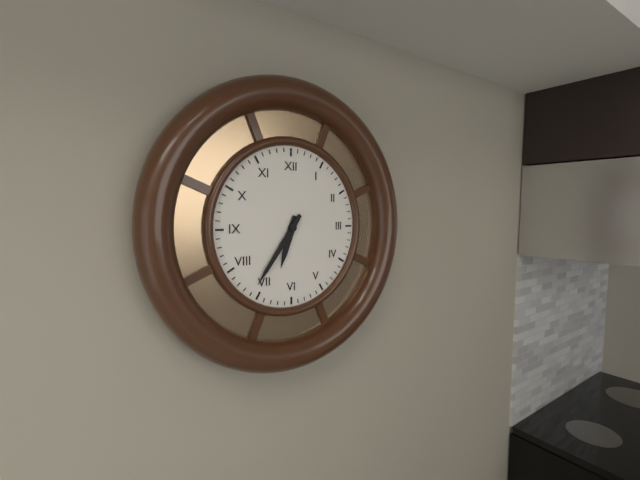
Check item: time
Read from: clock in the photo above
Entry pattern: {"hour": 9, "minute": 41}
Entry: {"hour": 6, "minute": 36}
